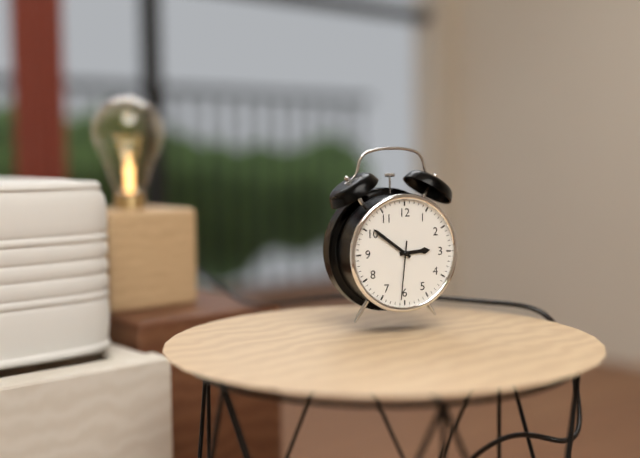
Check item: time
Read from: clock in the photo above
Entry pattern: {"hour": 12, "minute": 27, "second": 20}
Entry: {"hour": 2, "minute": 51, "second": 31}
